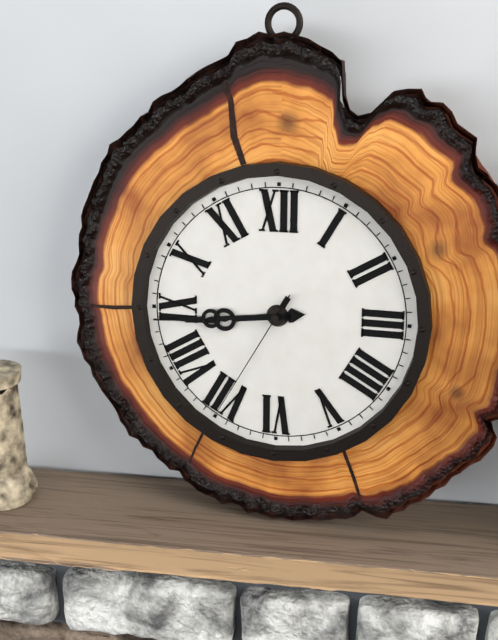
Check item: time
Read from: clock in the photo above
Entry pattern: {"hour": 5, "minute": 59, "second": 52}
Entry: {"hour": 8, "minute": 44, "second": 35}
